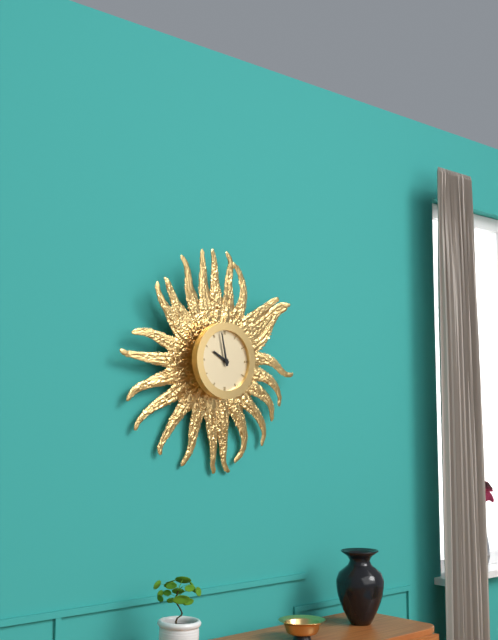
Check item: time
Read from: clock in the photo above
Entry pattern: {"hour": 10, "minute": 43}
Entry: {"hour": 9, "minute": 58}
